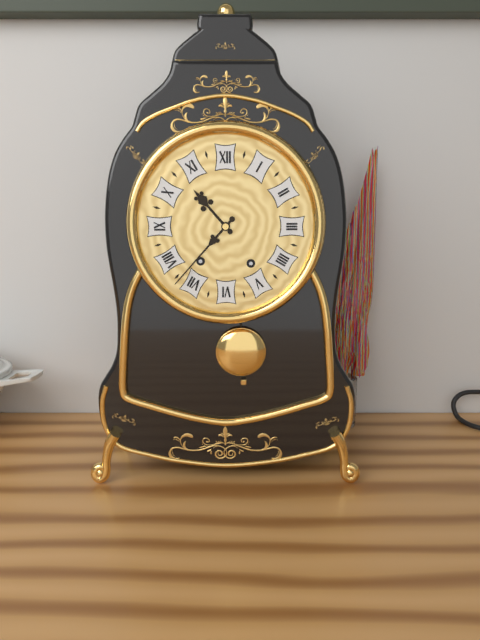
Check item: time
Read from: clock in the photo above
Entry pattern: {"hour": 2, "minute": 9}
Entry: {"hour": 10, "minute": 37}
